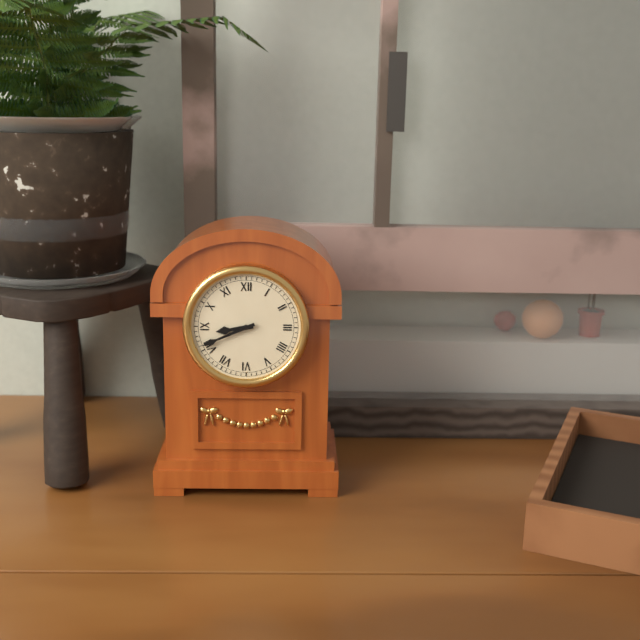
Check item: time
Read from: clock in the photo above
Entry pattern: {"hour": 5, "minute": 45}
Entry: {"hour": 8, "minute": 41}
